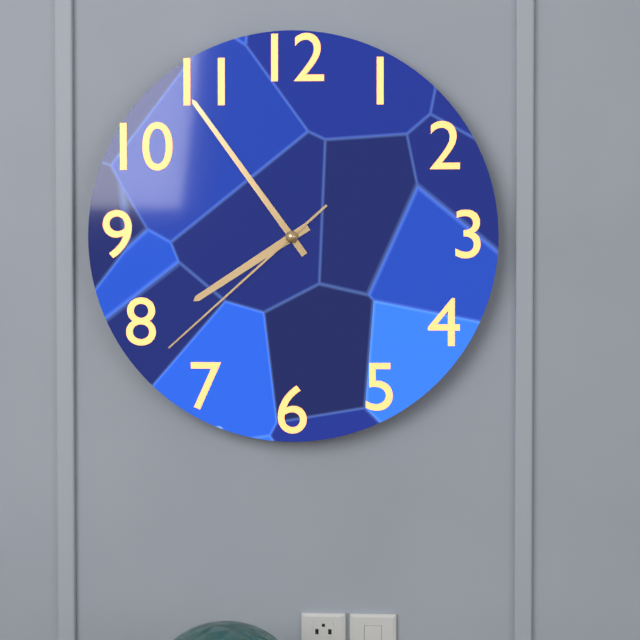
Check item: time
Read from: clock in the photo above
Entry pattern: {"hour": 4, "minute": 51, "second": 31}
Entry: {"hour": 7, "minute": 54, "second": 38}
